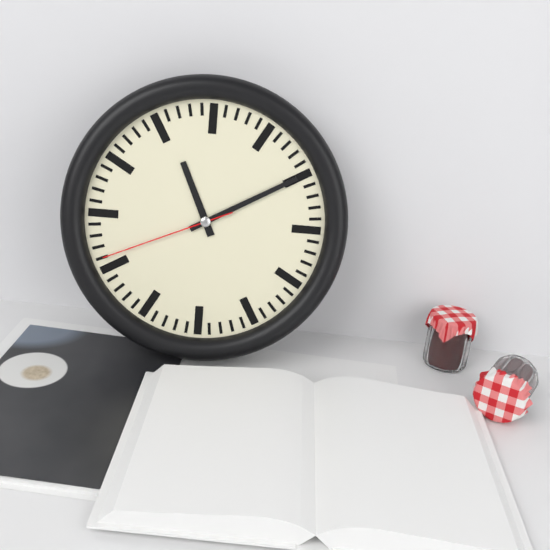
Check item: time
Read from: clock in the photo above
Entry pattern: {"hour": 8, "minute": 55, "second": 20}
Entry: {"hour": 11, "minute": 10, "second": 41}
